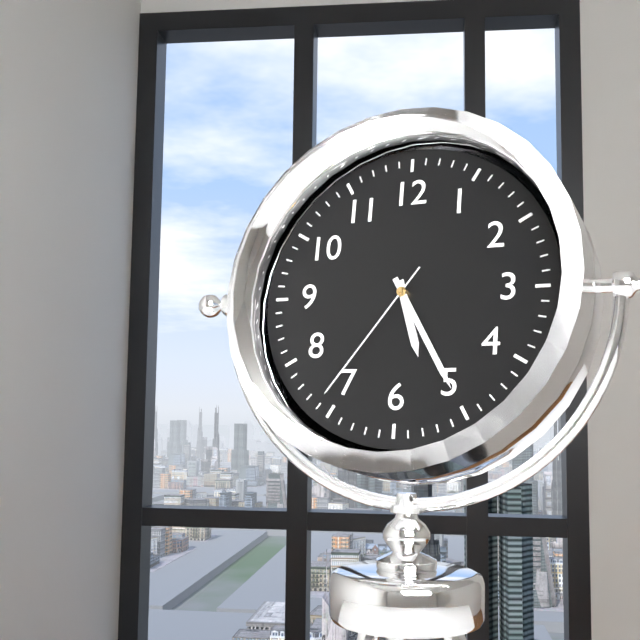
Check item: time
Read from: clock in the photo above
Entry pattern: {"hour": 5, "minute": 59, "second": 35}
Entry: {"hour": 5, "minute": 25, "second": 36}
